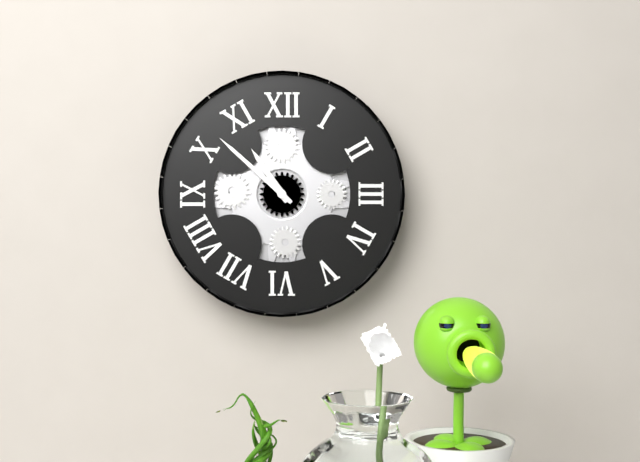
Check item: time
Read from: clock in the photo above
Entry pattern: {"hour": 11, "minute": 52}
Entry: {"hour": 10, "minute": 52}
